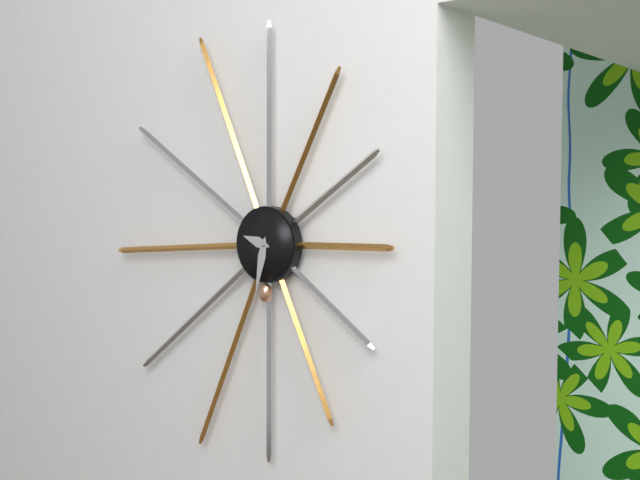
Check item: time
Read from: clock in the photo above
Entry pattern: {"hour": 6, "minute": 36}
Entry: {"hour": 9, "minute": 32}
